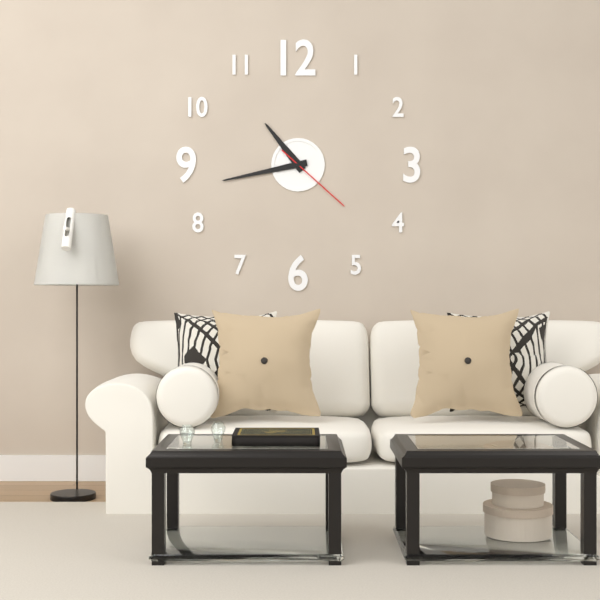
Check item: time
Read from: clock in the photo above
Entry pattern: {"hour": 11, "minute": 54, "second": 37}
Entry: {"hour": 10, "minute": 43, "second": 22}
